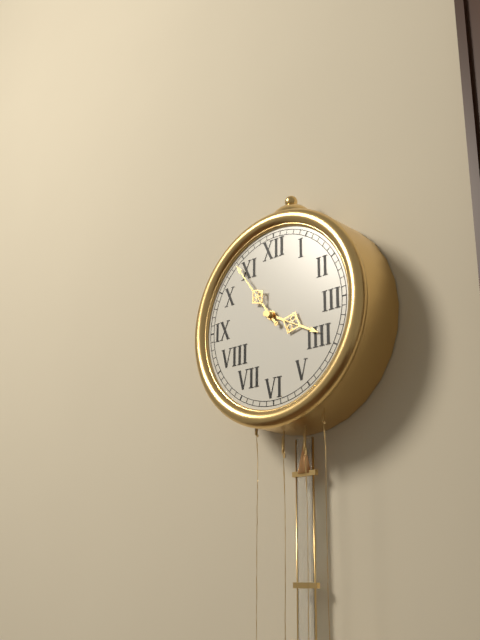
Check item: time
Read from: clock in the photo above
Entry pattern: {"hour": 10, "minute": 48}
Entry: {"hour": 3, "minute": 54}
